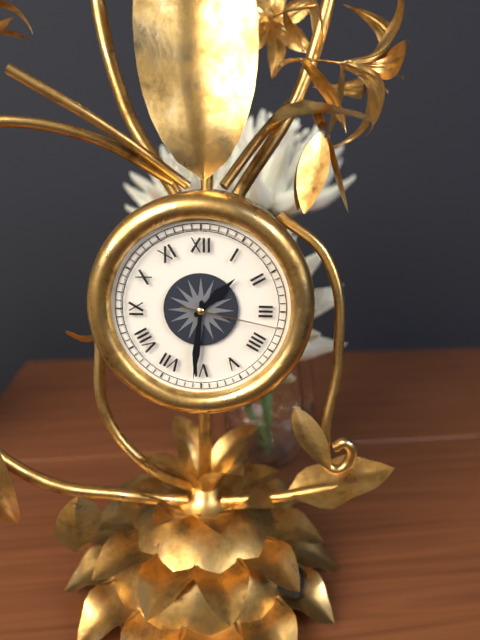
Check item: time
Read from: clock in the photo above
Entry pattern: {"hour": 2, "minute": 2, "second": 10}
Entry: {"hour": 1, "minute": 31, "second": 17}
